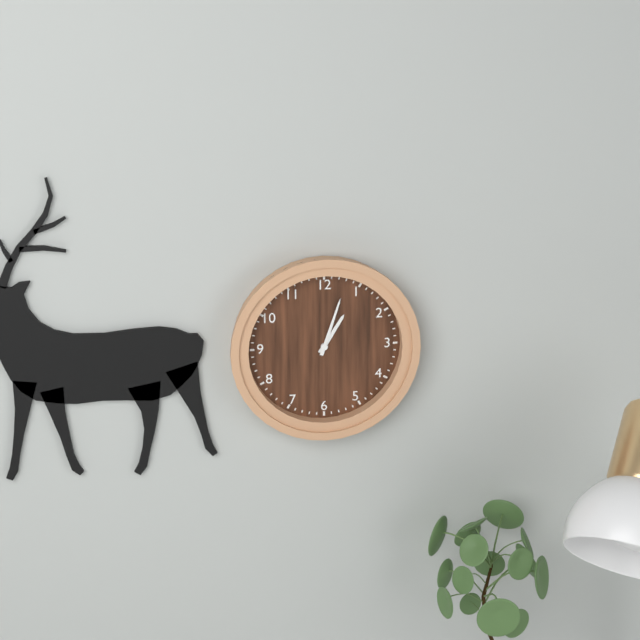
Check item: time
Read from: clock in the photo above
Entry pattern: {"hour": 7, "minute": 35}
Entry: {"hour": 1, "minute": 3}
